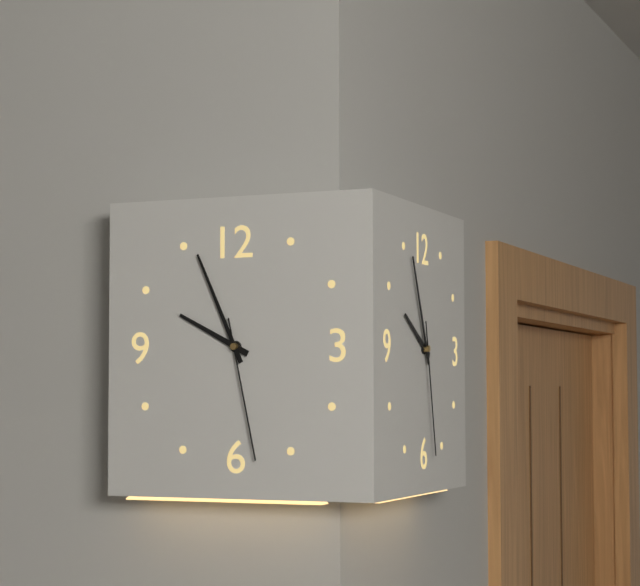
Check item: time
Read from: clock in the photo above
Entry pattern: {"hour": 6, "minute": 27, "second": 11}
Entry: {"hour": 9, "minute": 56, "second": 28}
